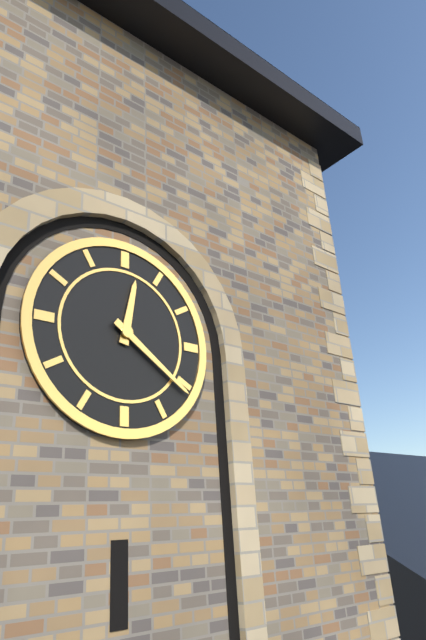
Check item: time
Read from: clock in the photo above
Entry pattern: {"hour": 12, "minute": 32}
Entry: {"hour": 12, "minute": 21}
